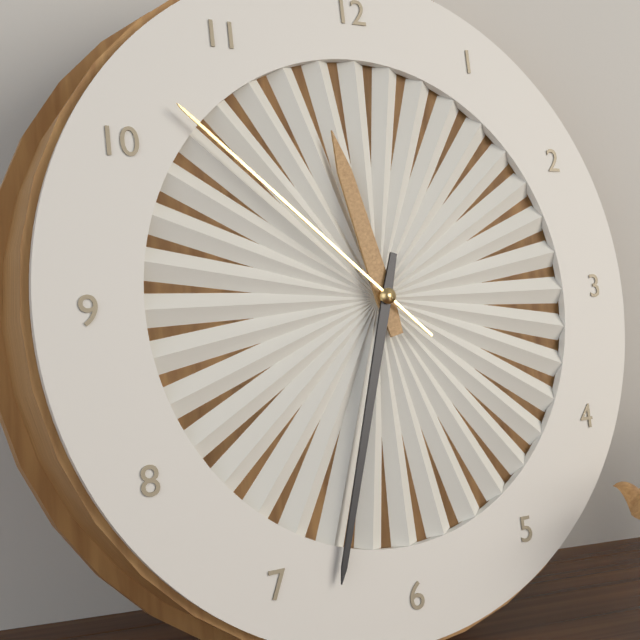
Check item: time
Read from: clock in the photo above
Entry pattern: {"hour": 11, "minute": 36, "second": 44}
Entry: {"hour": 11, "minute": 33, "second": 52}
